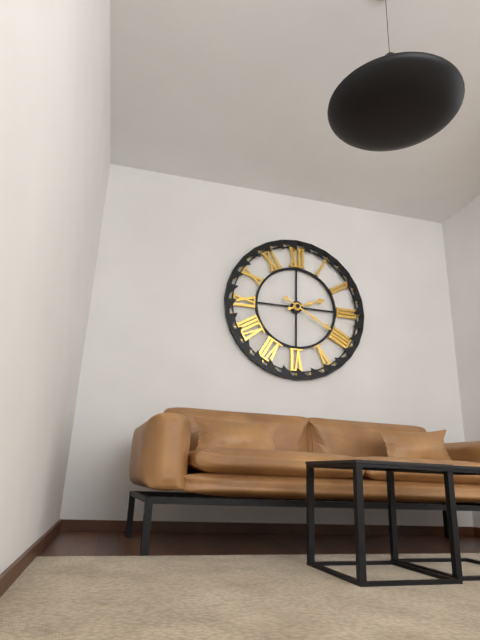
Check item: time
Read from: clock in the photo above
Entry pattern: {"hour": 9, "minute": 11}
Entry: {"hour": 2, "minute": 20}
